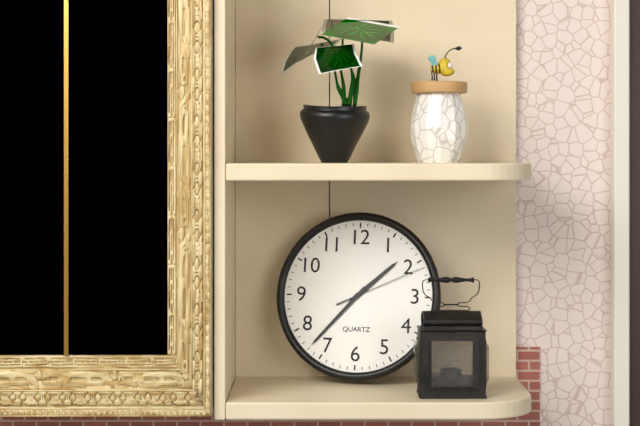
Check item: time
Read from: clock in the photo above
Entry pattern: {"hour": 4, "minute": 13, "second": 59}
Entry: {"hour": 1, "minute": 37, "second": 11}
